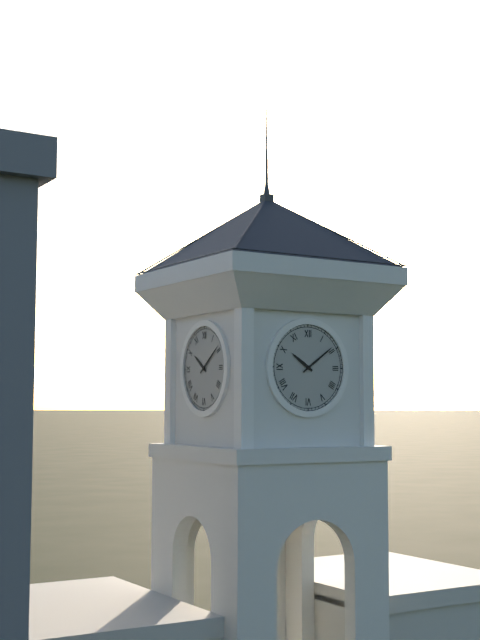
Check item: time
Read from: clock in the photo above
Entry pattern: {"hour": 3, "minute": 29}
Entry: {"hour": 10, "minute": 9}
